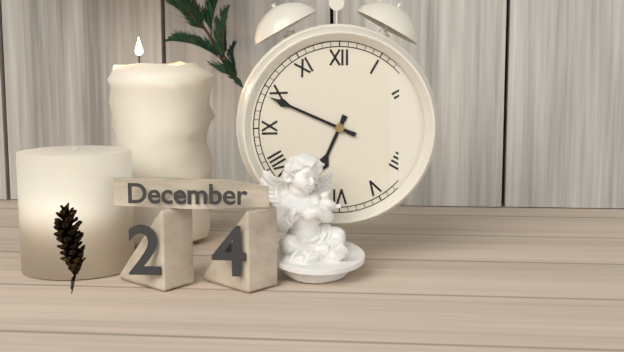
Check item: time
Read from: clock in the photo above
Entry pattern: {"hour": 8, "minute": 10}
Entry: {"hour": 6, "minute": 49}
